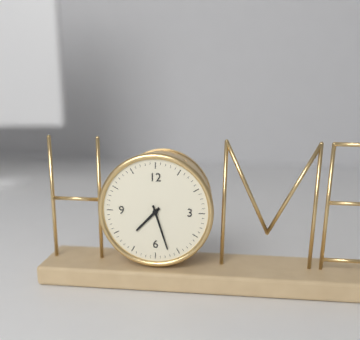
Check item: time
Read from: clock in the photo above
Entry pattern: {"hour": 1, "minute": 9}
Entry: {"hour": 7, "minute": 27}
